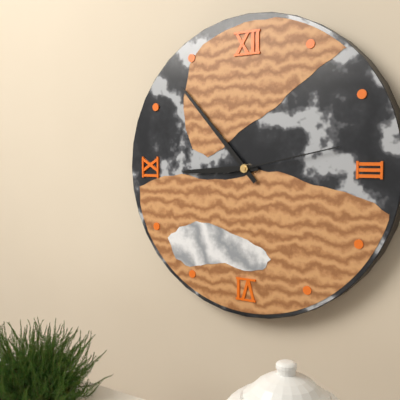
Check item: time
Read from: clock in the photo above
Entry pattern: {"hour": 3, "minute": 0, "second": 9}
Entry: {"hour": 8, "minute": 53, "second": 13}
